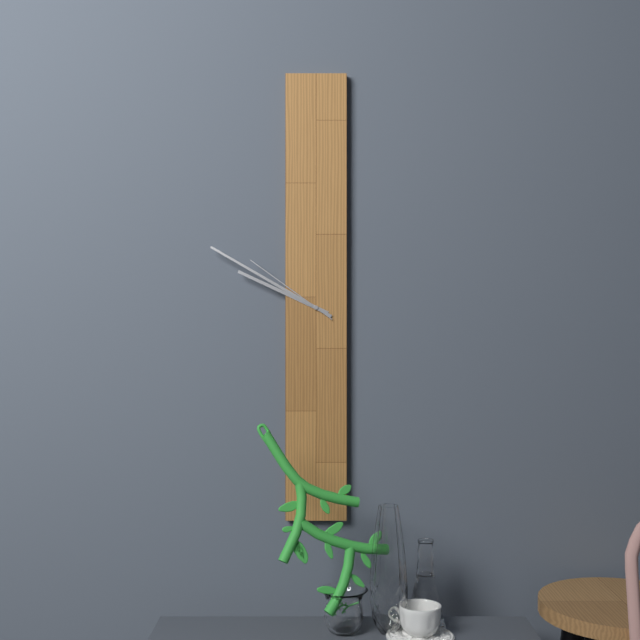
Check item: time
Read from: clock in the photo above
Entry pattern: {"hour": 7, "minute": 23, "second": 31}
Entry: {"hour": 9, "minute": 50, "second": 51}
